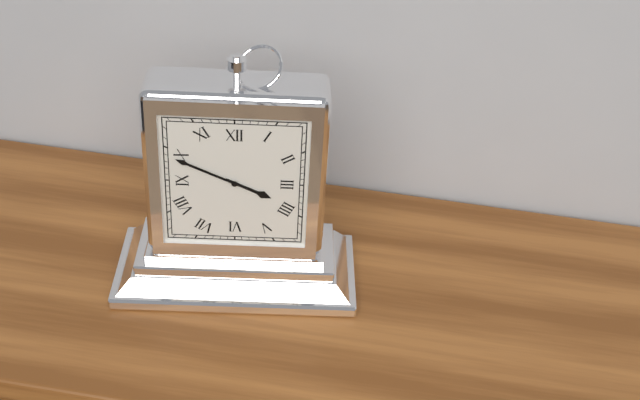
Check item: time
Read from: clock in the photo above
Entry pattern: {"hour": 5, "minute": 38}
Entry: {"hour": 3, "minute": 49}
